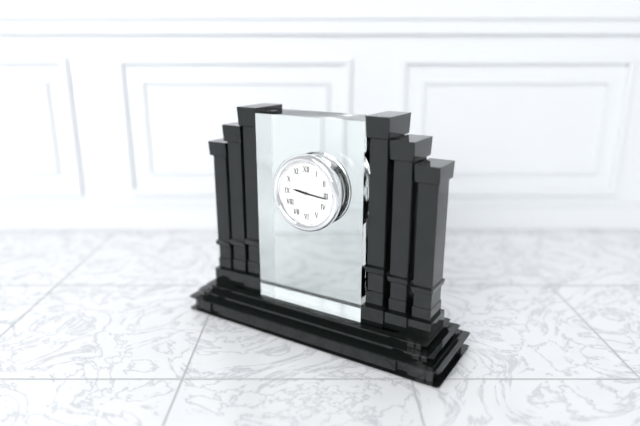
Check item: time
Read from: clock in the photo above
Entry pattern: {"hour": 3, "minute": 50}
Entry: {"hour": 9, "minute": 16}
